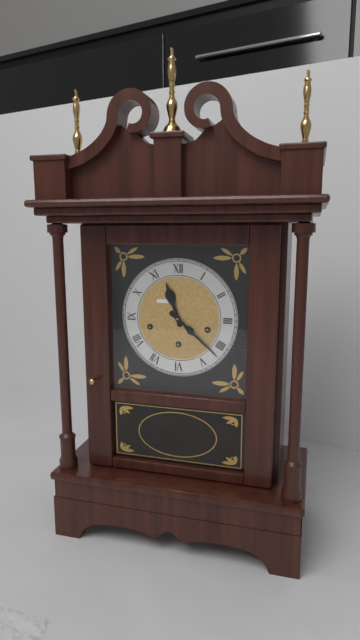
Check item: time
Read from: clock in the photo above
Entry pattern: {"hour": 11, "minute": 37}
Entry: {"hour": 11, "minute": 22}
